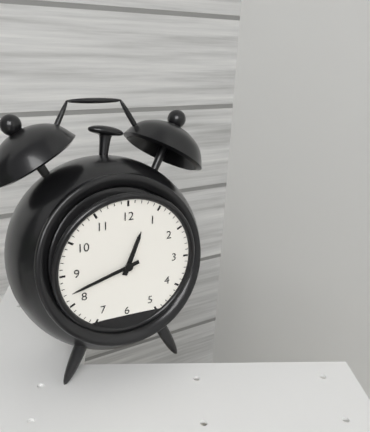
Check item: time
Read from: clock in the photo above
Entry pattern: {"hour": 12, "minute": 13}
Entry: {"hour": 12, "minute": 42}
